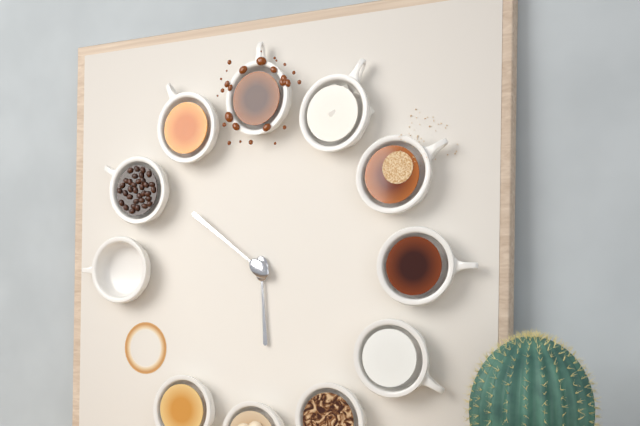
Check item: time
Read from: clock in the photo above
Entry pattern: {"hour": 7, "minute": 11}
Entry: {"hour": 5, "minute": 51}
